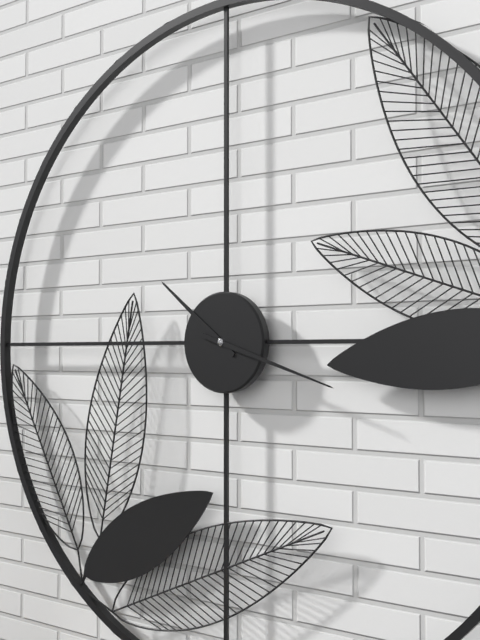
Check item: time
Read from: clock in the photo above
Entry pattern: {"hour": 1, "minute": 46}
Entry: {"hour": 10, "minute": 18}
